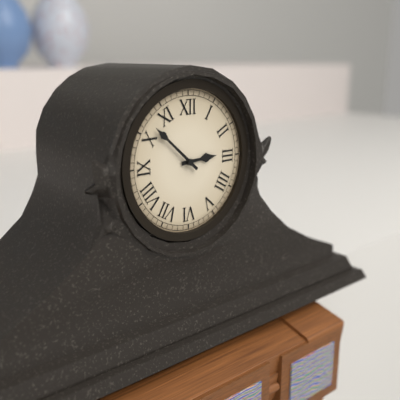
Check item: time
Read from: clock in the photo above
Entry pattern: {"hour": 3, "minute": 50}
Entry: {"hour": 2, "minute": 52}
